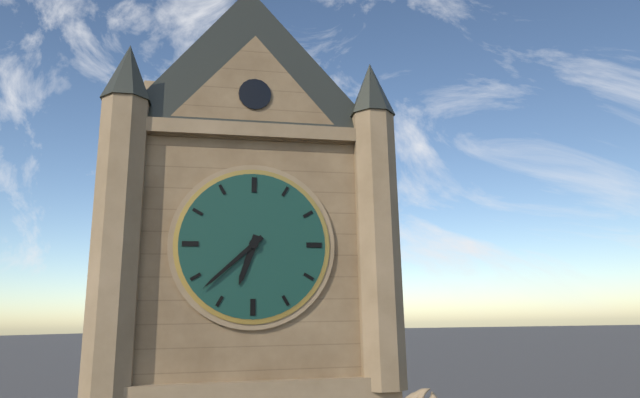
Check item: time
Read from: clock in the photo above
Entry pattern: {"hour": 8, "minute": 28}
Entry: {"hour": 6, "minute": 38}
